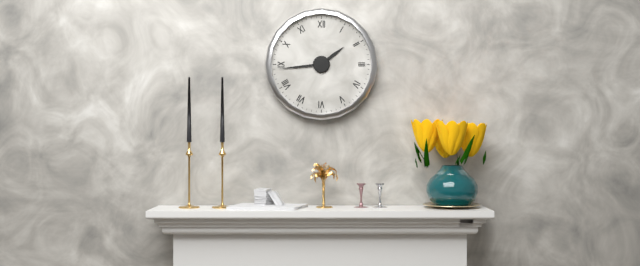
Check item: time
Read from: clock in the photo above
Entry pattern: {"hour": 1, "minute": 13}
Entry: {"hour": 1, "minute": 44}
